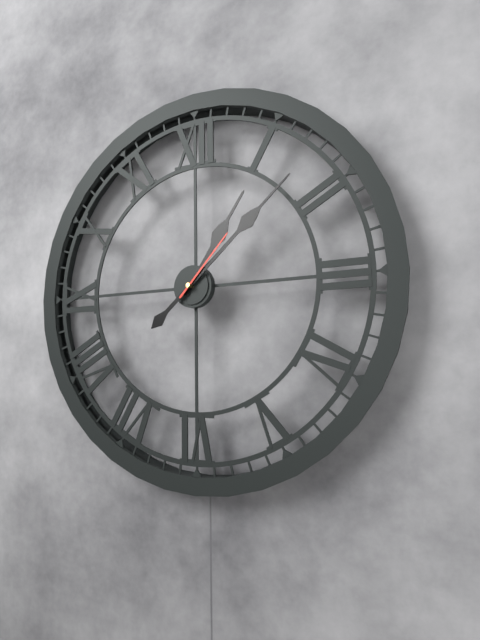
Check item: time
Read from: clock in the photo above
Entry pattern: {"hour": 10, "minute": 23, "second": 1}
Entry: {"hour": 1, "minute": 8, "second": 7}
